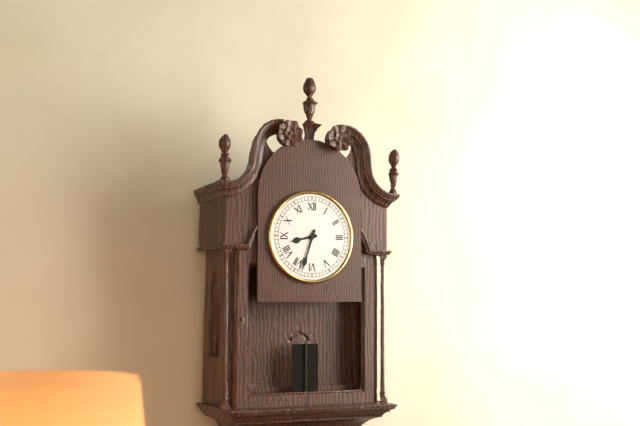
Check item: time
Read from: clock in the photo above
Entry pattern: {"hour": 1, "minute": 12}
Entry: {"hour": 8, "minute": 33}
